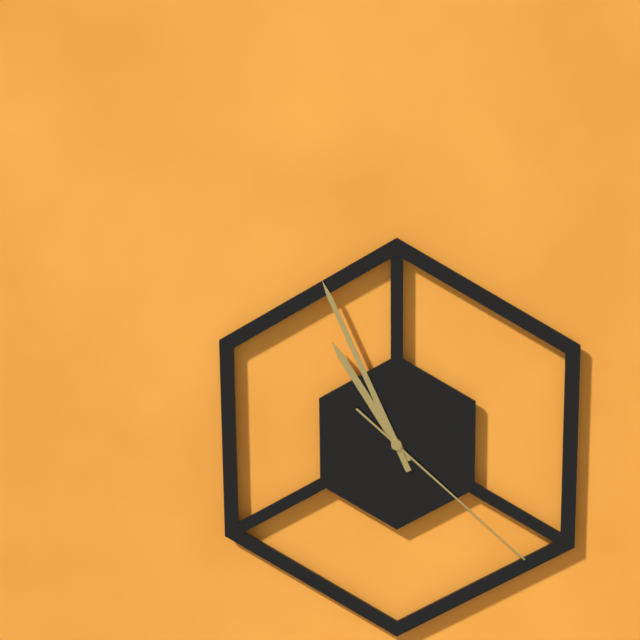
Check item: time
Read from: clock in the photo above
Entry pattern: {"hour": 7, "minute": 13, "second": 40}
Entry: {"hour": 10, "minute": 56, "second": 22}
